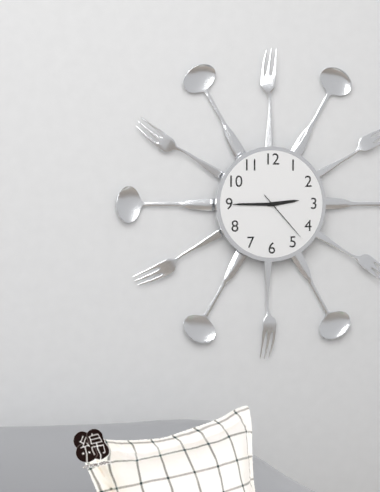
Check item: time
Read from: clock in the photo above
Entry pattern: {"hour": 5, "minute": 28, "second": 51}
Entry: {"hour": 2, "minute": 45, "second": 23}
